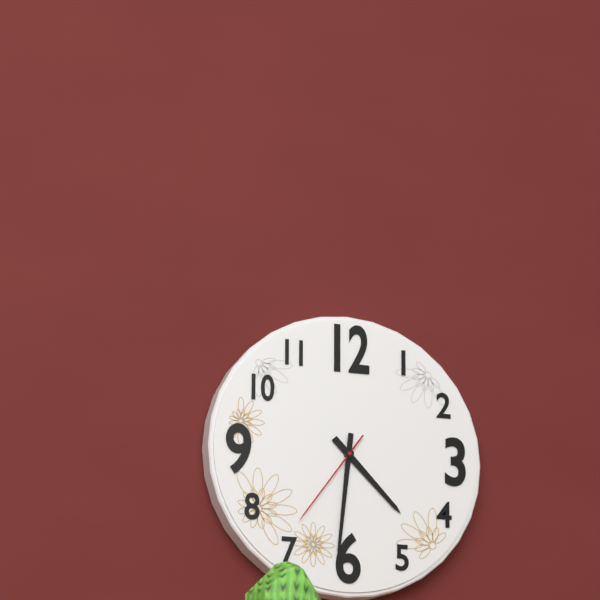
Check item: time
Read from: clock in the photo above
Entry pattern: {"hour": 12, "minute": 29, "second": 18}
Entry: {"hour": 4, "minute": 31, "second": 36}
